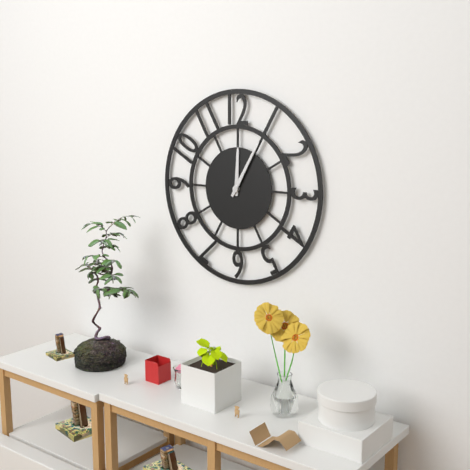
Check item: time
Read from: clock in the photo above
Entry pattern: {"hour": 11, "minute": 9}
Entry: {"hour": 12, "minute": 5}
